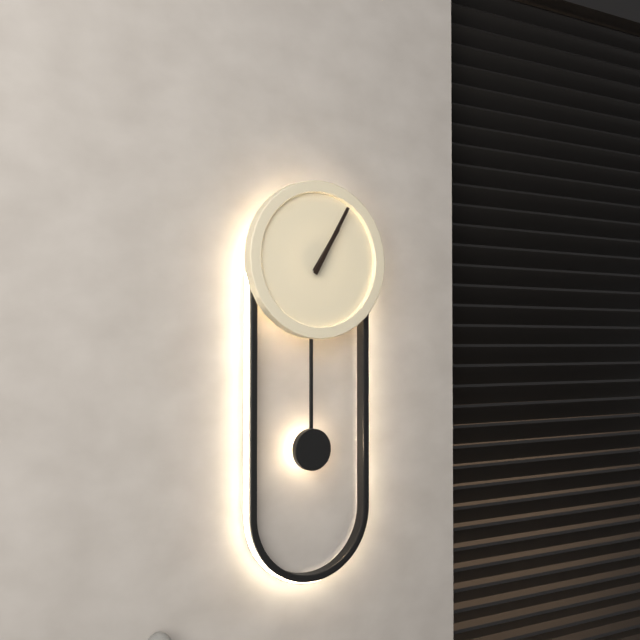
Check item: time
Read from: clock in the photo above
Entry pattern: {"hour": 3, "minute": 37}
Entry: {"hour": 1, "minute": 5}
